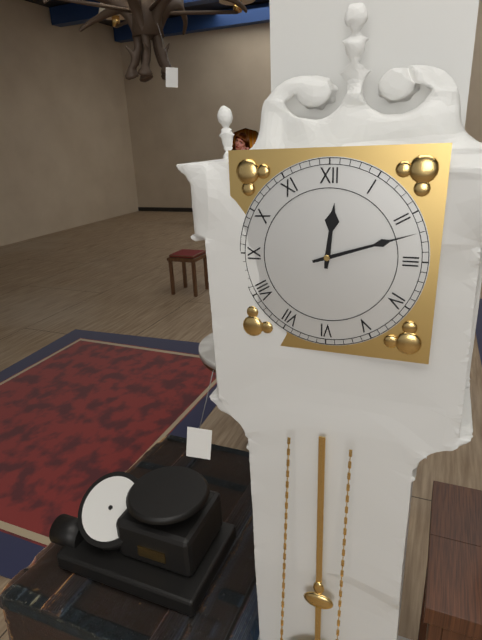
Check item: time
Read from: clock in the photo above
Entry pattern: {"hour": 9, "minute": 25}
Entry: {"hour": 12, "minute": 12}
